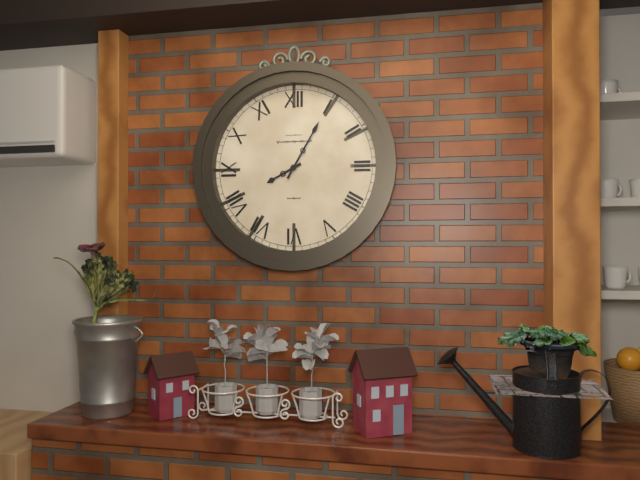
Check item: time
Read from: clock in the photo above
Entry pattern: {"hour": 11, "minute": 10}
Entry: {"hour": 8, "minute": 5}
